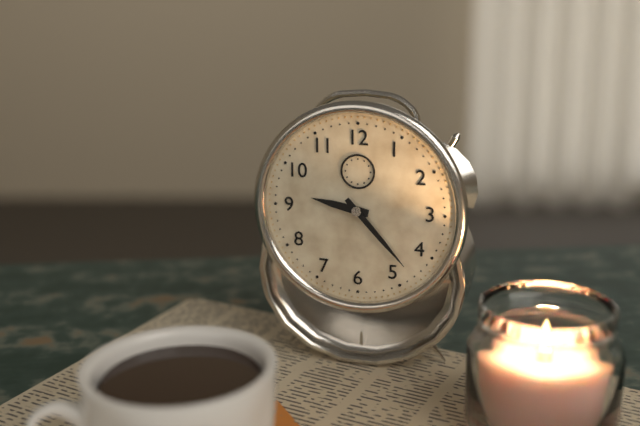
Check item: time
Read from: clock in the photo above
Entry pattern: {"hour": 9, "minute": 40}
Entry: {"hour": 9, "minute": 23}
